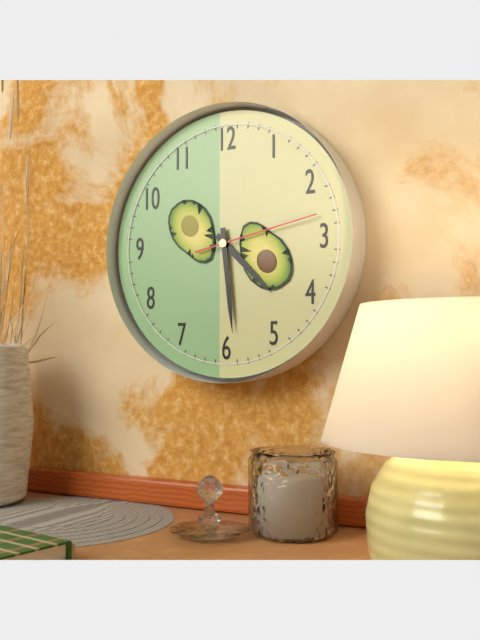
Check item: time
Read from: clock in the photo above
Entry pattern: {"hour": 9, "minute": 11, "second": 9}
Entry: {"hour": 4, "minute": 29, "second": 13}
